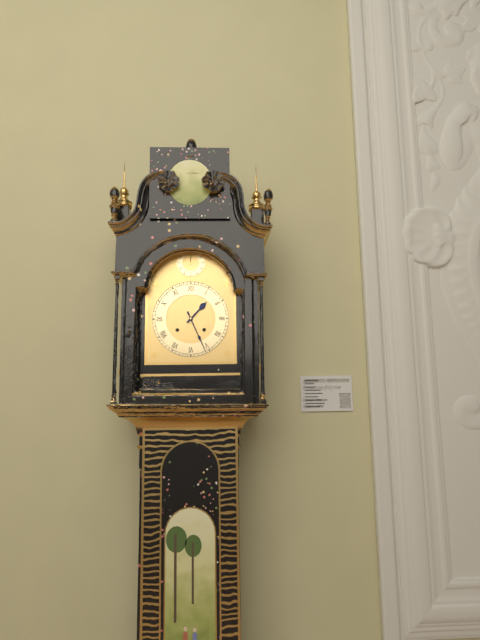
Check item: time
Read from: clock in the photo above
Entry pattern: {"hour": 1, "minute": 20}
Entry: {"hour": 1, "minute": 26}
